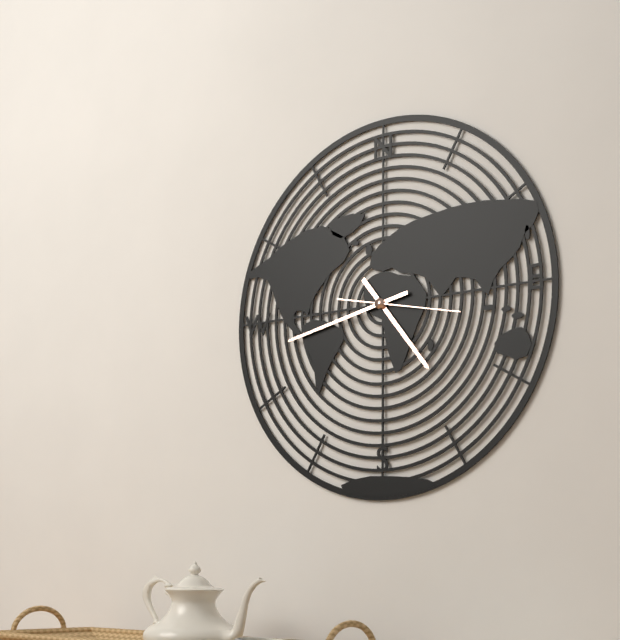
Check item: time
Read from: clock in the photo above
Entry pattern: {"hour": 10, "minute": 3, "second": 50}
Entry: {"hour": 4, "minute": 43, "second": 17}
